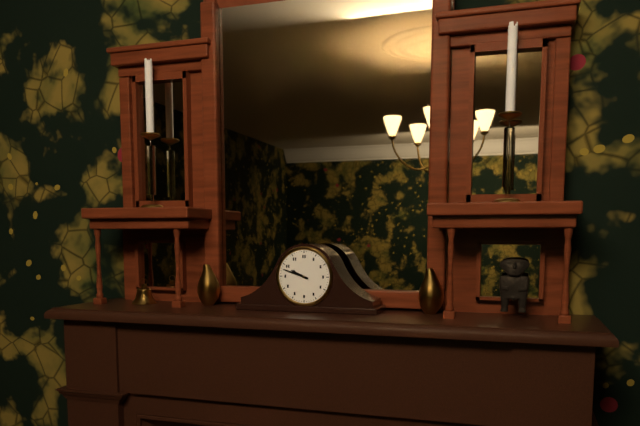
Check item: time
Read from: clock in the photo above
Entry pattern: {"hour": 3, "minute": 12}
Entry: {"hour": 9, "minute": 48}
